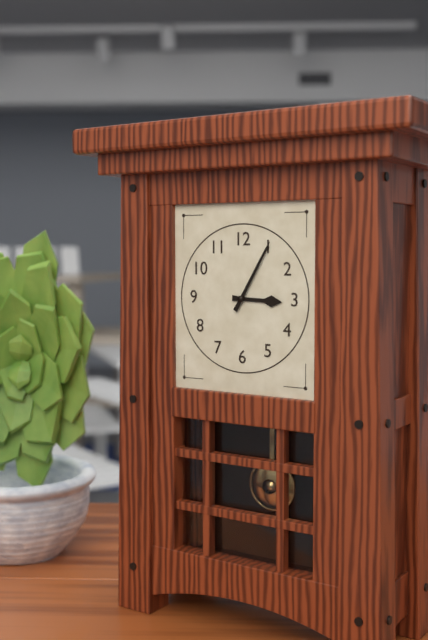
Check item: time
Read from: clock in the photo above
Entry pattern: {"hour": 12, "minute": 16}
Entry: {"hour": 3, "minute": 5}
